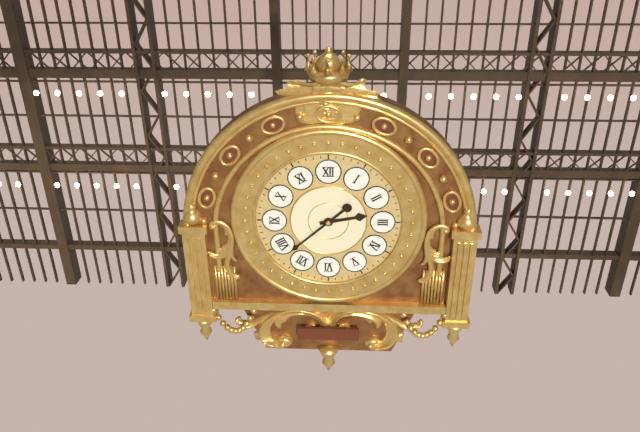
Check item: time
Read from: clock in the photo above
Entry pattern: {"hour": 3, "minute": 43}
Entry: {"hour": 2, "minute": 38}
